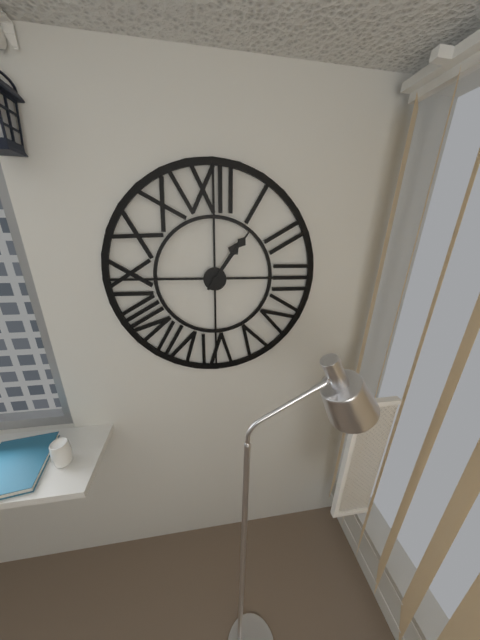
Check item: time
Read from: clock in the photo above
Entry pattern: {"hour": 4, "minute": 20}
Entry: {"hour": 1, "minute": 6}
